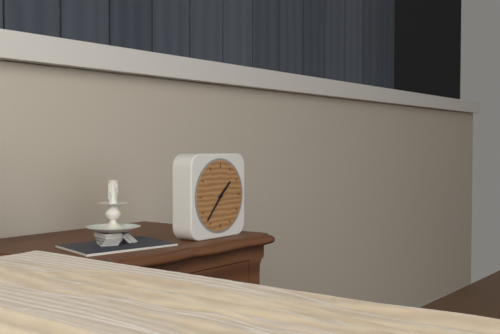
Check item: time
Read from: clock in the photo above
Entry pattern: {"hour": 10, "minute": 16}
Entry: {"hour": 1, "minute": 37}
